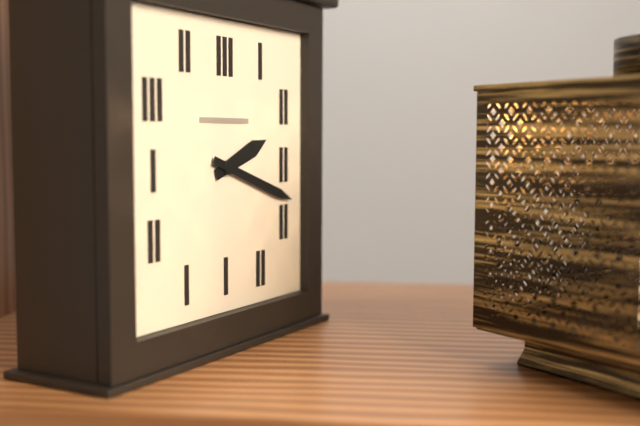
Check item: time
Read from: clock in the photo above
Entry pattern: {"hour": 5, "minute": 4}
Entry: {"hour": 2, "minute": 18}
